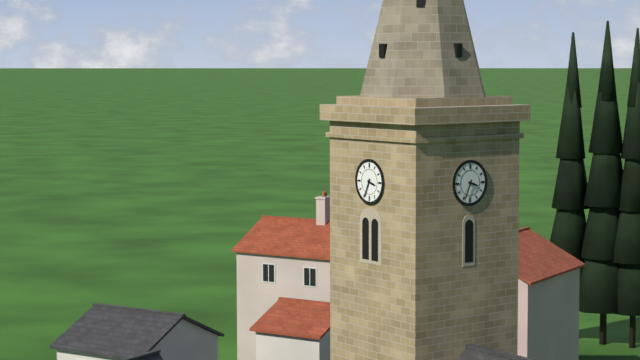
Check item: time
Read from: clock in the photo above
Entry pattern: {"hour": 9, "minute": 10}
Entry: {"hour": 3, "minute": 34}
